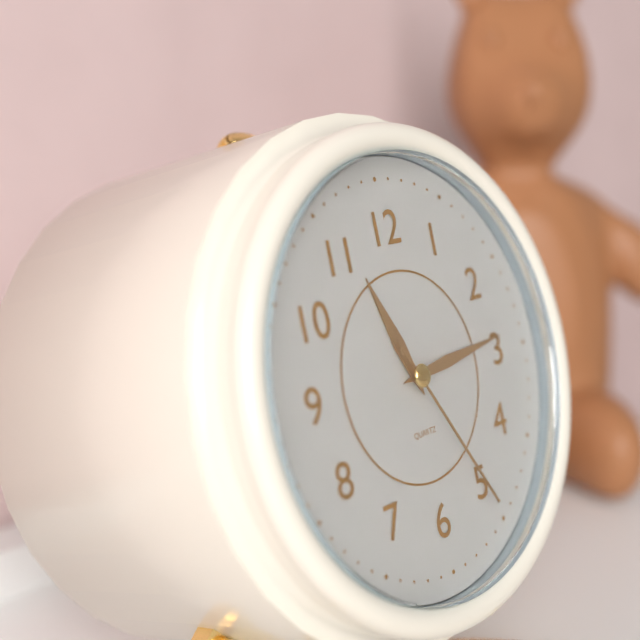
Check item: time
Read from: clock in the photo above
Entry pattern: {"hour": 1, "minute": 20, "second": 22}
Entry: {"hour": 11, "minute": 14, "second": 25}
